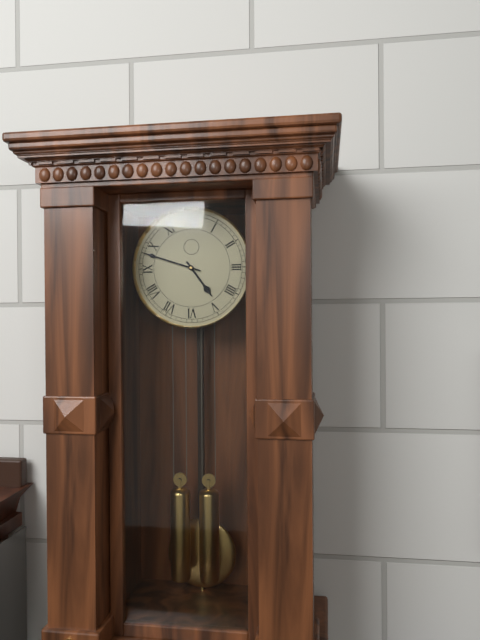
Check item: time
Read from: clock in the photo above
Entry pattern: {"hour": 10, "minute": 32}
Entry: {"hour": 4, "minute": 48}
